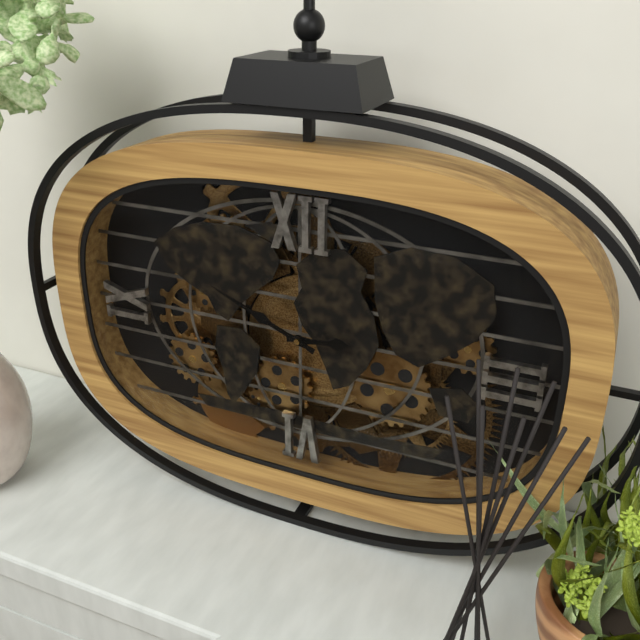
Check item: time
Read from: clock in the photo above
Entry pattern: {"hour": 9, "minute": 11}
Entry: {"hour": 2, "minute": 49}
